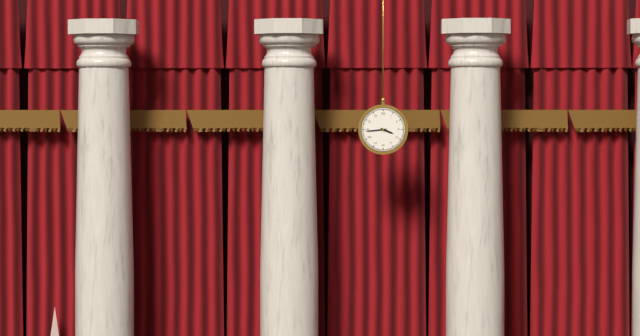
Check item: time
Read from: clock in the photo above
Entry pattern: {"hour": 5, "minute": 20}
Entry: {"hour": 3, "minute": 44}
